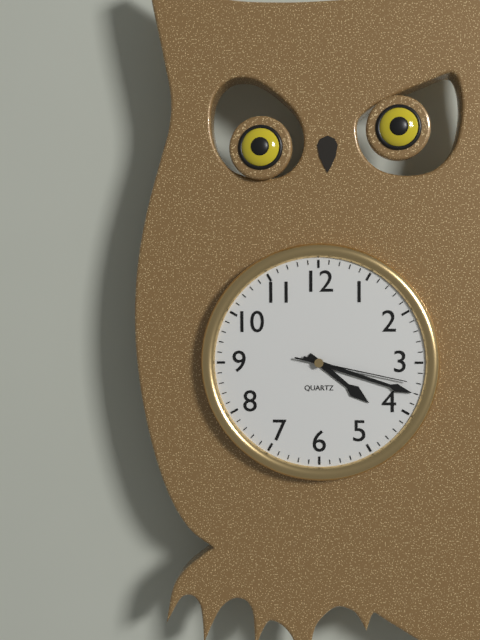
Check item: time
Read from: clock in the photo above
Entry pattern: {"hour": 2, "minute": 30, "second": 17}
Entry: {"hour": 4, "minute": 18, "second": 17}
